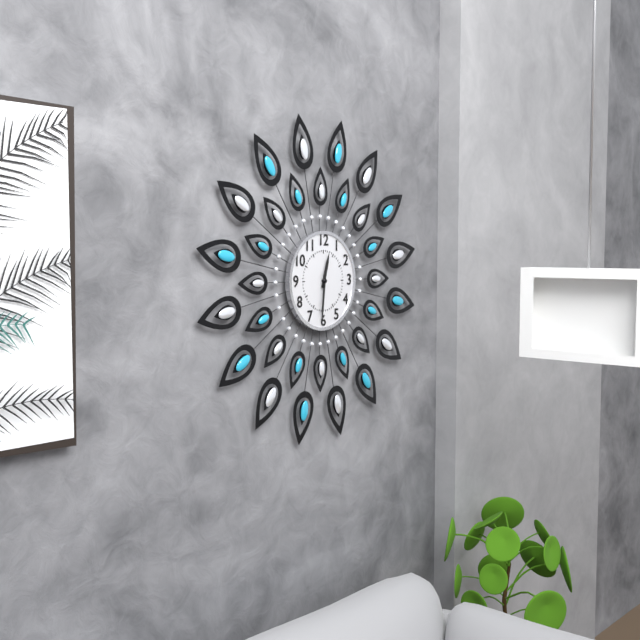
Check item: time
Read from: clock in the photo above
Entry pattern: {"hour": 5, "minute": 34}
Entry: {"hour": 12, "minute": 31}
